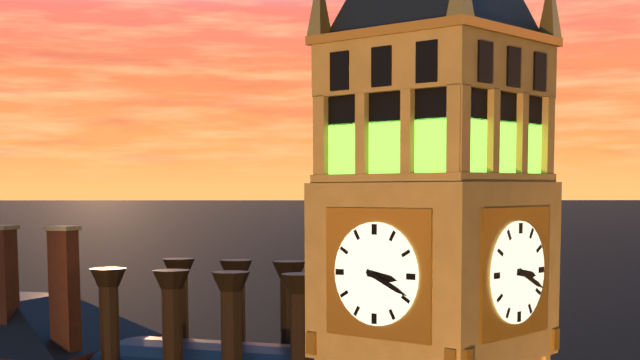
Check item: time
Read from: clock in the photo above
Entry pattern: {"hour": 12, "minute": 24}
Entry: {"hour": 3, "minute": 19}
